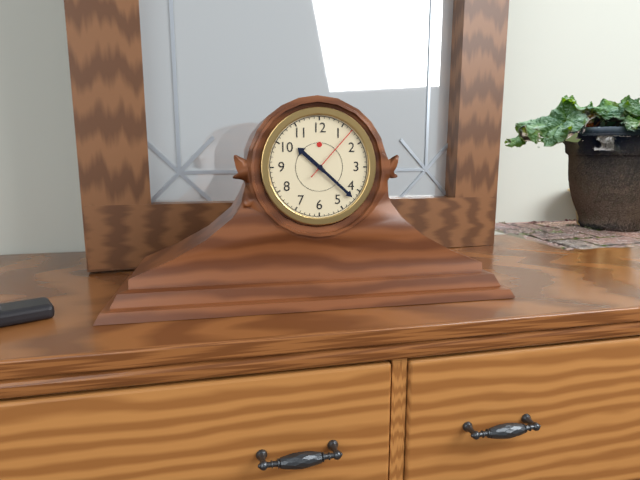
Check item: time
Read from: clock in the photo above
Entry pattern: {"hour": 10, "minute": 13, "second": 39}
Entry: {"hour": 10, "minute": 22, "second": 7}
